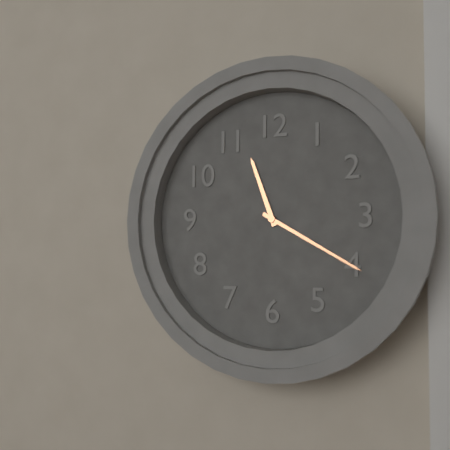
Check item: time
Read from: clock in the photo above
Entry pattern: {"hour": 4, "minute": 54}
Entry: {"hour": 11, "minute": 20}
